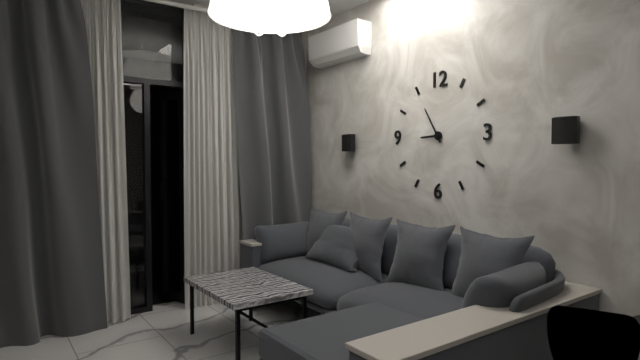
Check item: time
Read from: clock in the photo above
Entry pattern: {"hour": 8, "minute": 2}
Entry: {"hour": 8, "minute": 55}
